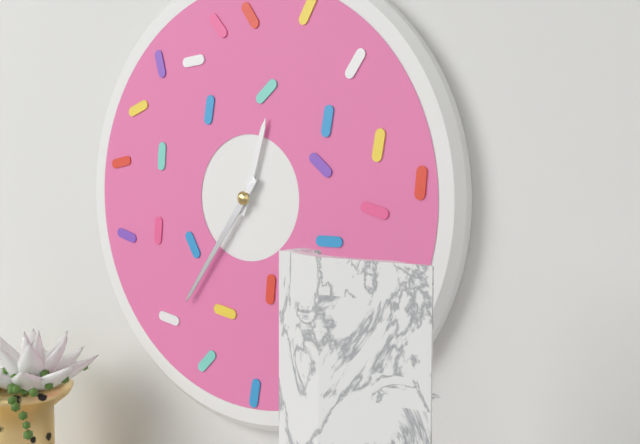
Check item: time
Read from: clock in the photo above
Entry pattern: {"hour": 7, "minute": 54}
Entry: {"hour": 12, "minute": 36}
